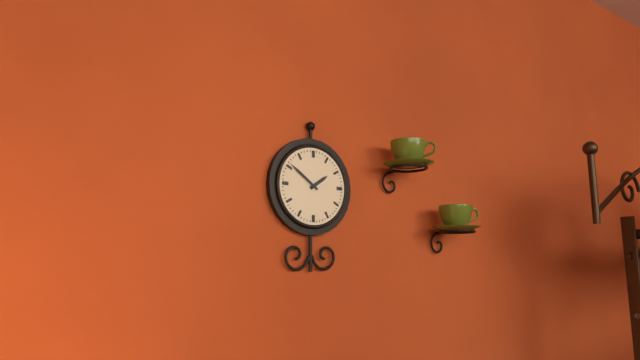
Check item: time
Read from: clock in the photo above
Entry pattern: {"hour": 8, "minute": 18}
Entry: {"hour": 1, "minute": 51}
